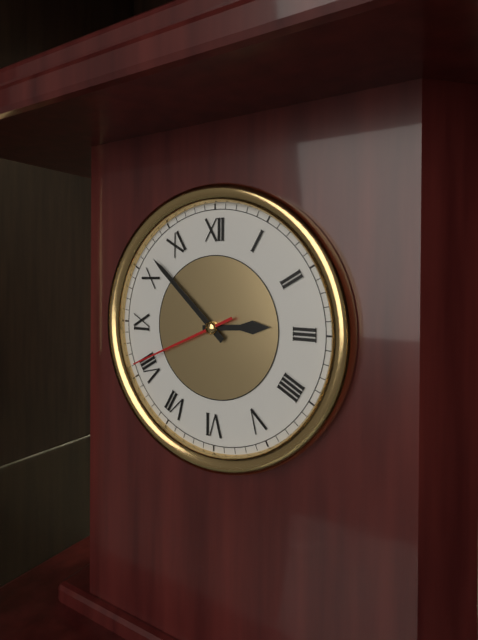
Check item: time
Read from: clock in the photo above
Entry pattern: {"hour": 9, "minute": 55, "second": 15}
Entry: {"hour": 2, "minute": 52, "second": 41}
